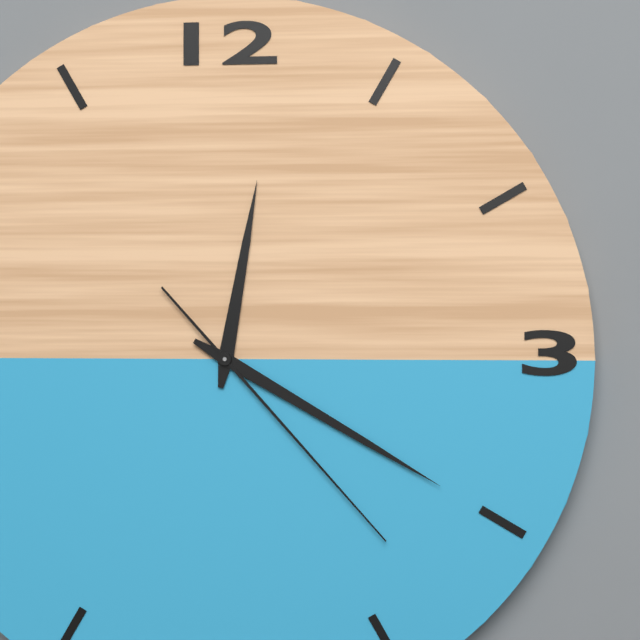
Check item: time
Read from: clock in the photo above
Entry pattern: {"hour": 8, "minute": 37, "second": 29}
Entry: {"hour": 12, "minute": 20, "second": 23}
